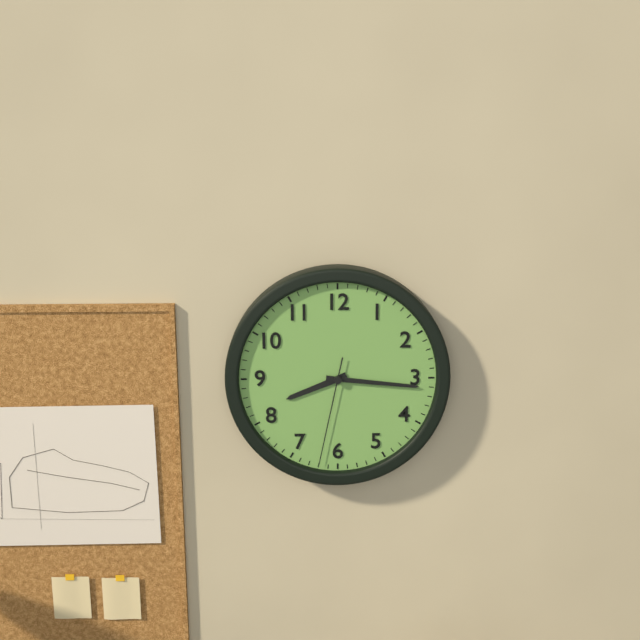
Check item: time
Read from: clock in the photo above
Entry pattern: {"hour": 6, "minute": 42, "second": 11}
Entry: {"hour": 8, "minute": 16, "second": 32}
